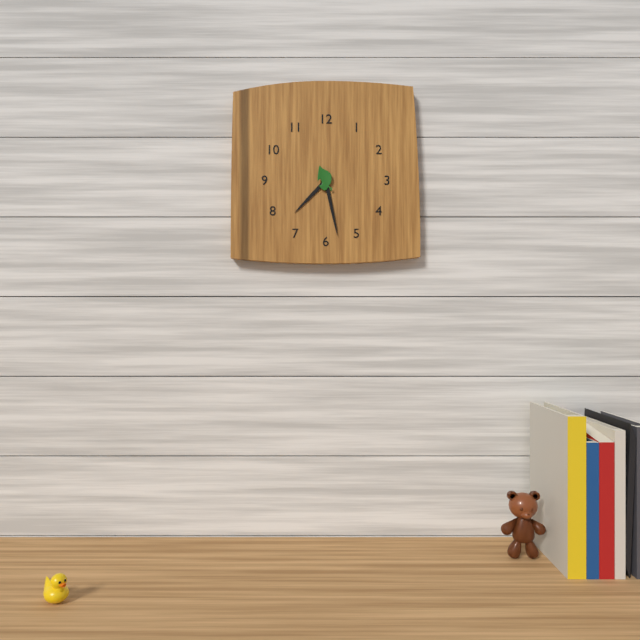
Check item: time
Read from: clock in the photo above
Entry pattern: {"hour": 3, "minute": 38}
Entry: {"hour": 7, "minute": 28}
